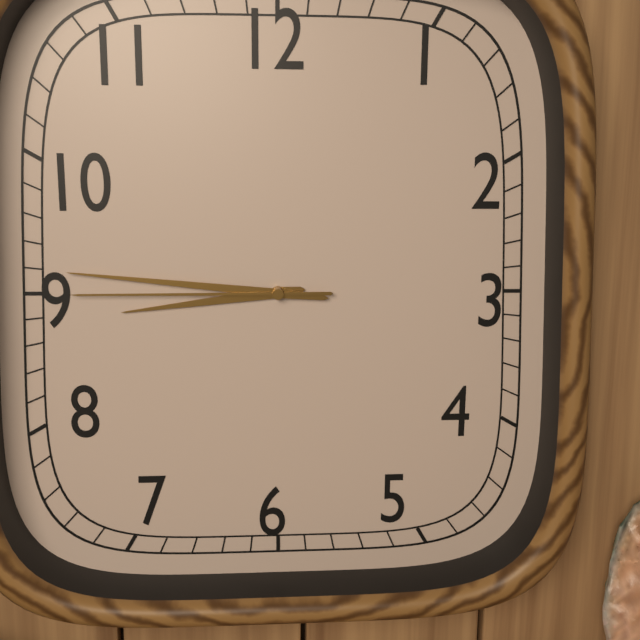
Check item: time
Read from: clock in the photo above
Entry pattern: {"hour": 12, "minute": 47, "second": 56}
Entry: {"hour": 8, "minute": 46, "second": 45}
